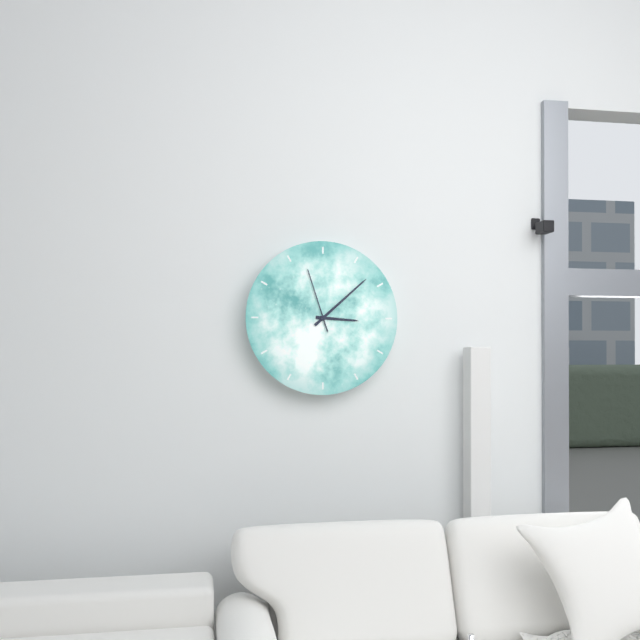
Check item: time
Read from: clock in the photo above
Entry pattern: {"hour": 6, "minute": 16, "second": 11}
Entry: {"hour": 3, "minute": 8, "second": 57}
